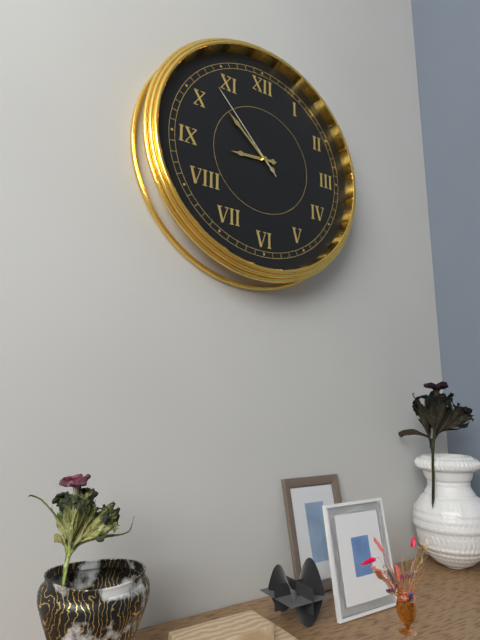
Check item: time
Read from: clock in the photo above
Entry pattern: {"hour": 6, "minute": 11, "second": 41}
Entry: {"hour": 8, "minute": 52, "second": 53}
